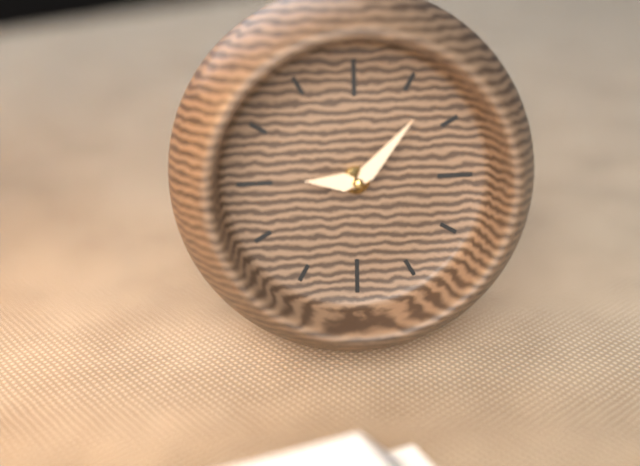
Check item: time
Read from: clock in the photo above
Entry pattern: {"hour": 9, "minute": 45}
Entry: {"hour": 9, "minute": 7}
